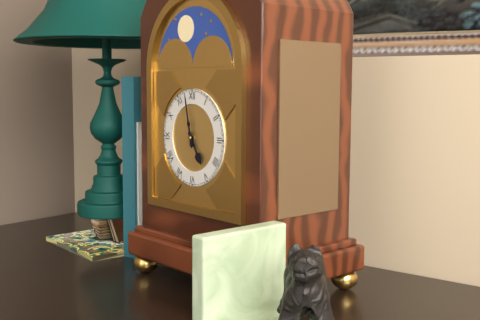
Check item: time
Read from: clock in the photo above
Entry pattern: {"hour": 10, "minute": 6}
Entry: {"hour": 4, "minute": 58}
